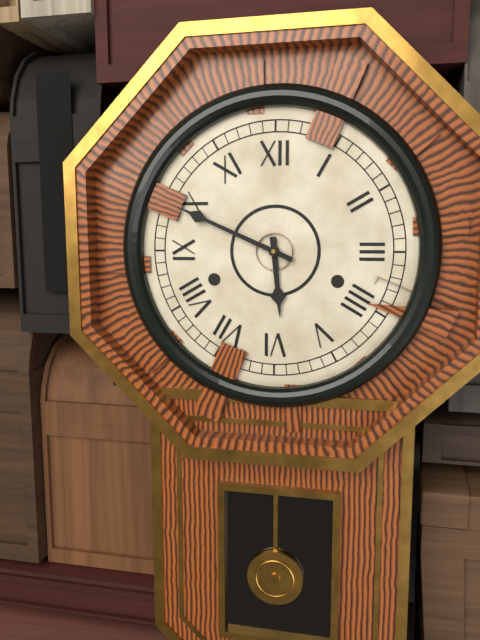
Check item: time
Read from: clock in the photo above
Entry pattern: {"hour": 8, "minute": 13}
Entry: {"hour": 5, "minute": 49}
